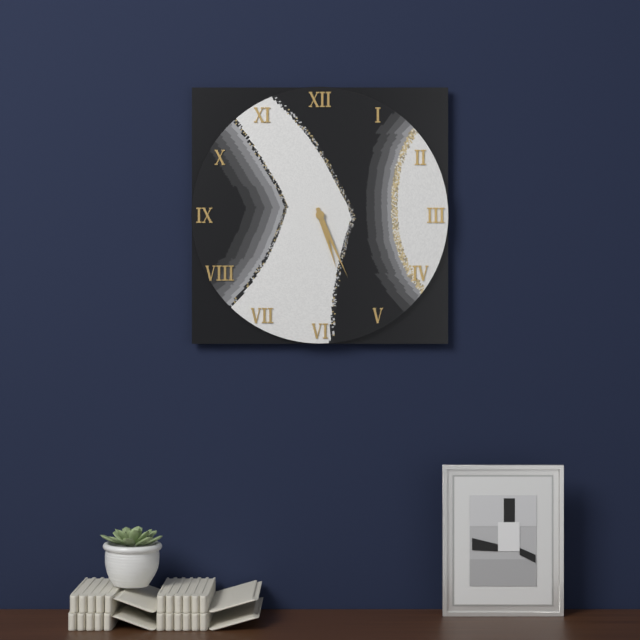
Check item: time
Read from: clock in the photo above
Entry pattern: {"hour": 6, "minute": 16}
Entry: {"hour": 5, "minute": 26}
